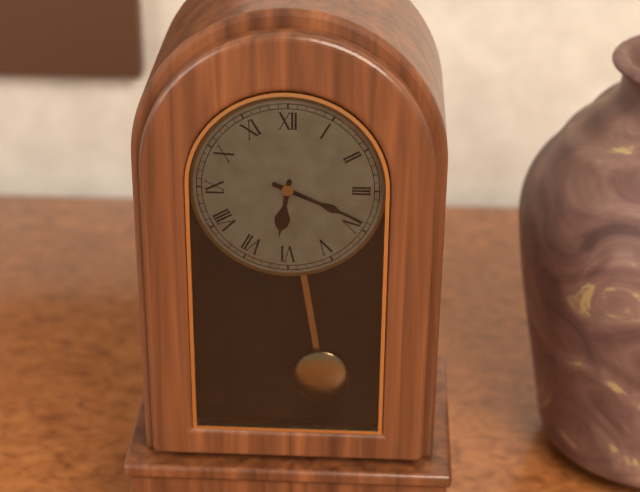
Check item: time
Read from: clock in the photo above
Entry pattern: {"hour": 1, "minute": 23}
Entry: {"hour": 6, "minute": 19}
